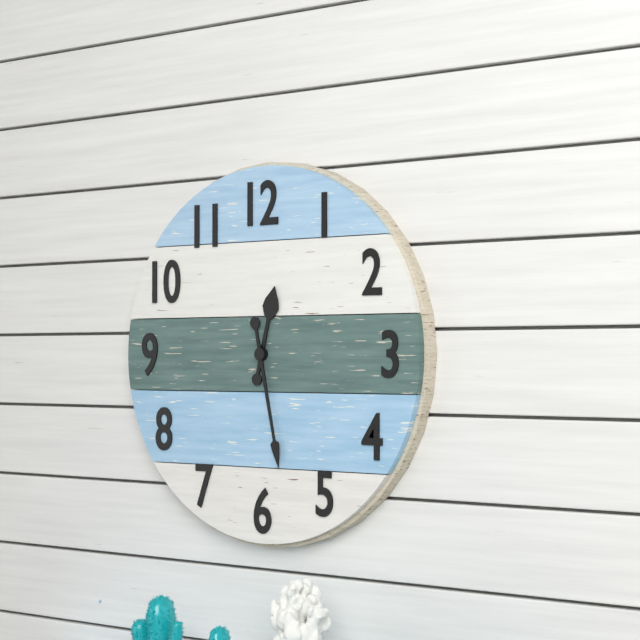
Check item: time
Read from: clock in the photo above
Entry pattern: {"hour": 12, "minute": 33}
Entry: {"hour": 12, "minute": 28}
